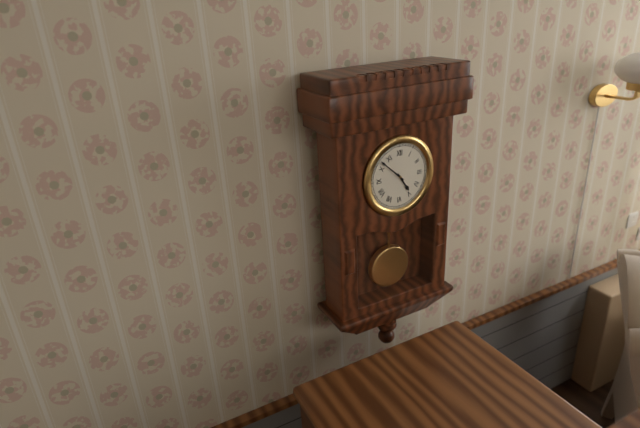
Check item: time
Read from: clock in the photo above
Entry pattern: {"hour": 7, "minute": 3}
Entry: {"hour": 4, "minute": 52}
